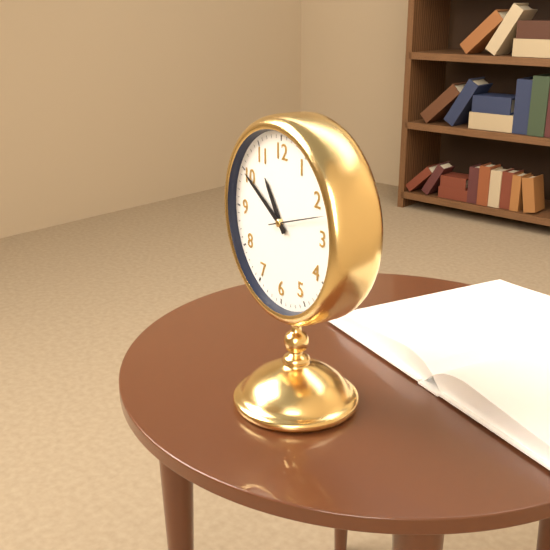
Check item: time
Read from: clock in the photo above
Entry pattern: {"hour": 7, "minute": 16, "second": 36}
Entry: {"hour": 10, "minute": 50, "second": 12}
